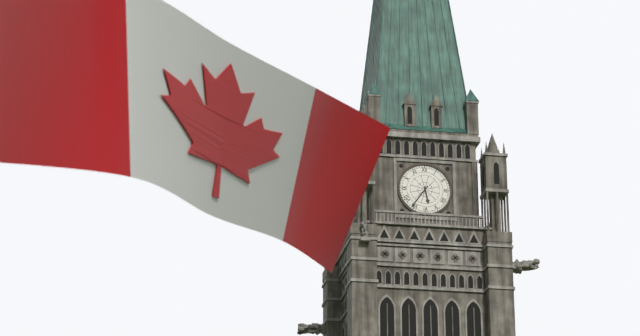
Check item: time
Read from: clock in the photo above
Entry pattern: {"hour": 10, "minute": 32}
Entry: {"hour": 5, "minute": 36}
